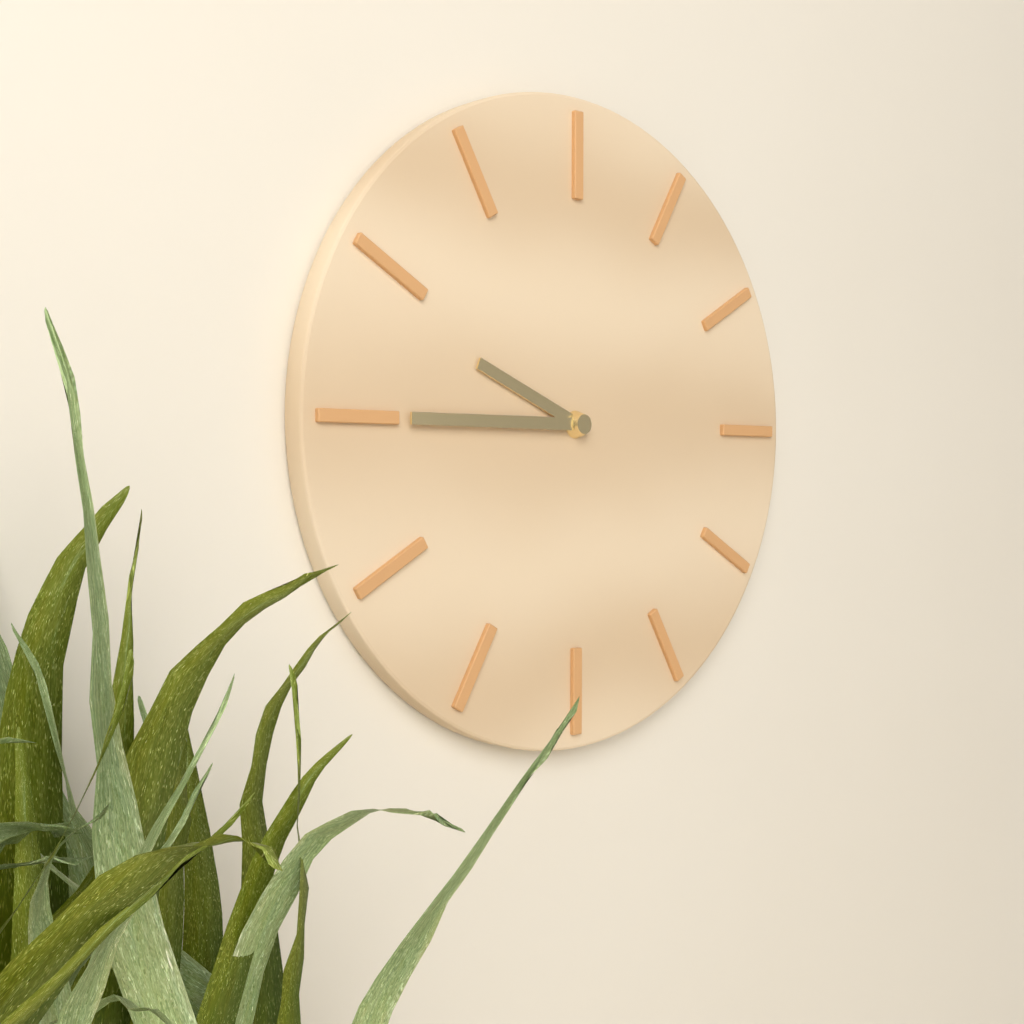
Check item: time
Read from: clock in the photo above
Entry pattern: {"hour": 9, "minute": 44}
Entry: {"hour": 9, "minute": 45}
